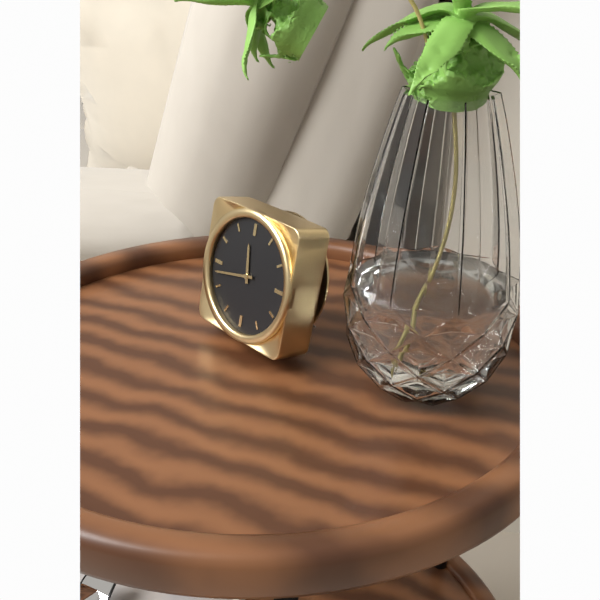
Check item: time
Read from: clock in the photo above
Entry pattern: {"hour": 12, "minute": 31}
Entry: {"hour": 11, "minute": 43}
